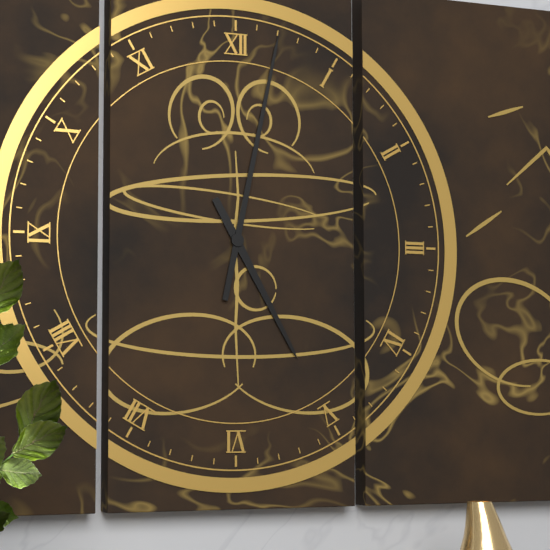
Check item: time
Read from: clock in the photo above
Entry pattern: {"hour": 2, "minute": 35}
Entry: {"hour": 5, "minute": 2}
